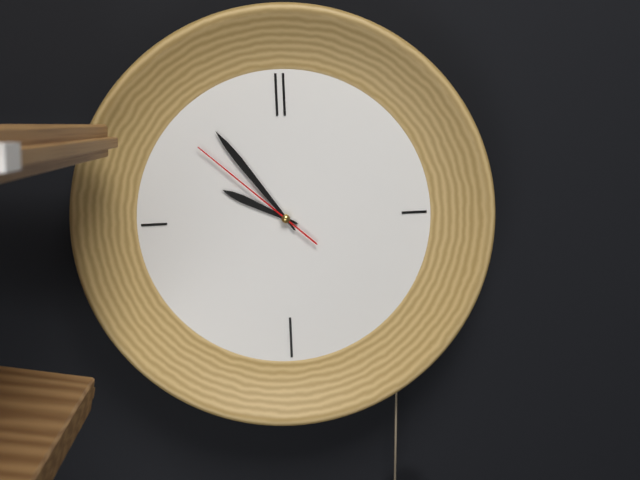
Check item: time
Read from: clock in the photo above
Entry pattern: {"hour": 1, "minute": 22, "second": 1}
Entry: {"hour": 9, "minute": 54, "second": 52}
